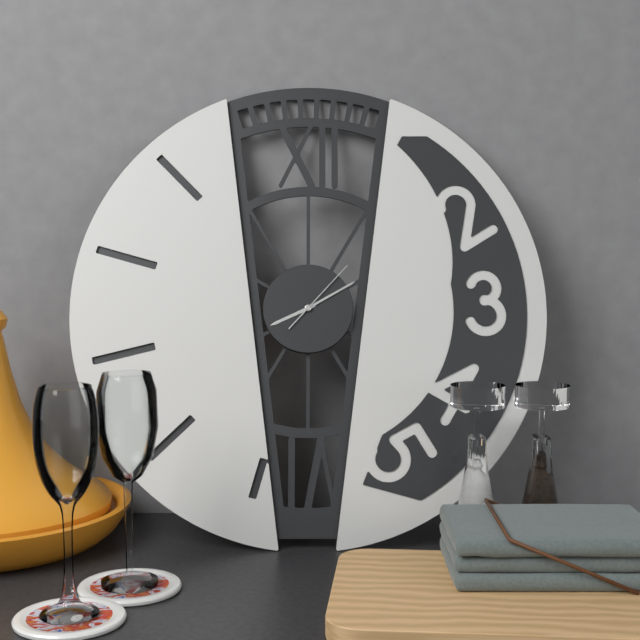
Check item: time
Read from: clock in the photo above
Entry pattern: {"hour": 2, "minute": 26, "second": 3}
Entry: {"hour": 8, "minute": 10, "second": 7}
